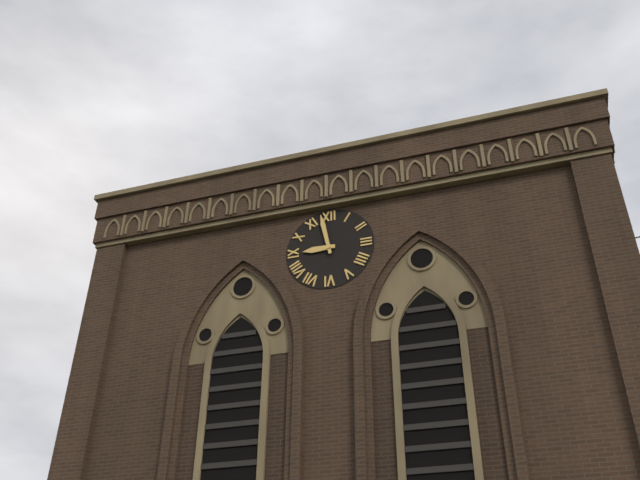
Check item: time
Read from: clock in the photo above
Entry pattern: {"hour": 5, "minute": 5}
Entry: {"hour": 8, "minute": 58}
